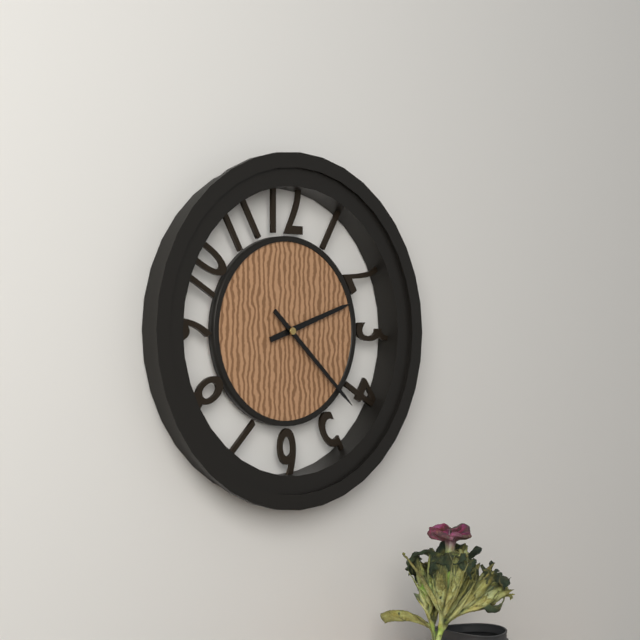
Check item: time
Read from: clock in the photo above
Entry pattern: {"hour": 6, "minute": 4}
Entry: {"hour": 2, "minute": 22}
